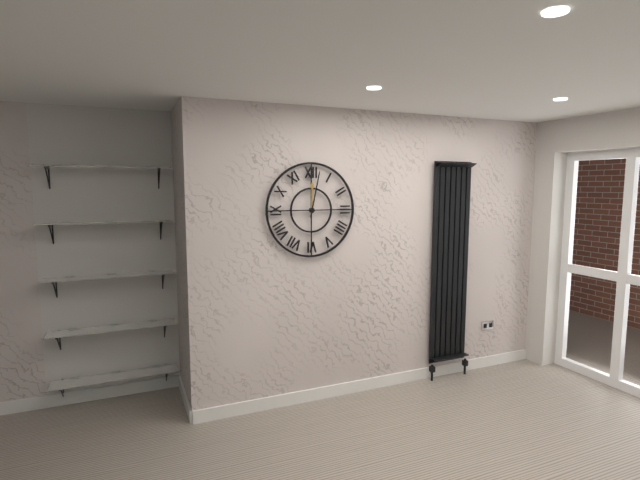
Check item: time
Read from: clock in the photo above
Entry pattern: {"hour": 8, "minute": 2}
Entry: {"hour": 12, "minute": 2}
